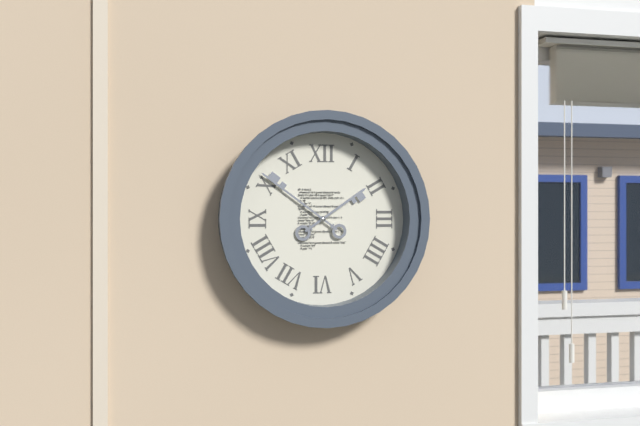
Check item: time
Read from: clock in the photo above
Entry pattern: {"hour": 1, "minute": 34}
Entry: {"hour": 1, "minute": 51}
